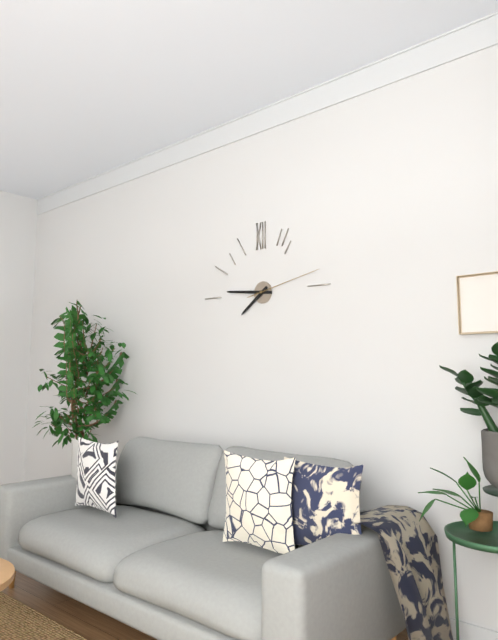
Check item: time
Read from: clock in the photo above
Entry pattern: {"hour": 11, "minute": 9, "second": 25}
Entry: {"hour": 7, "minute": 46, "second": 13}
